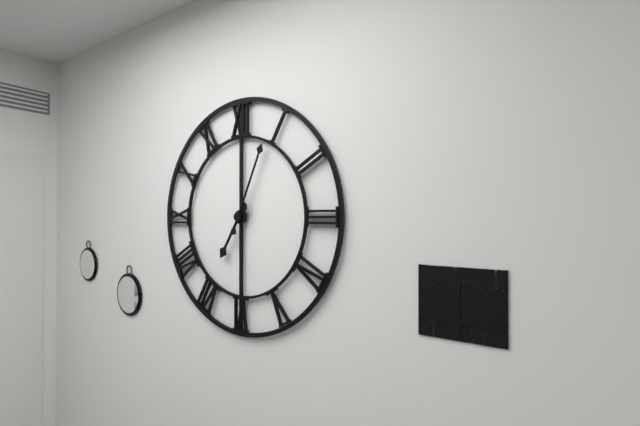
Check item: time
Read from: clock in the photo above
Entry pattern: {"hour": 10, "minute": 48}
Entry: {"hour": 7, "minute": 4}
